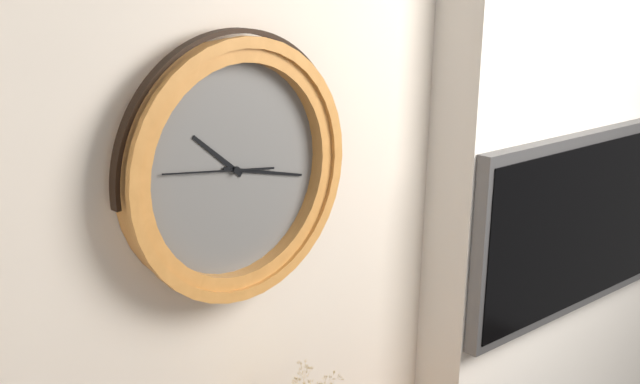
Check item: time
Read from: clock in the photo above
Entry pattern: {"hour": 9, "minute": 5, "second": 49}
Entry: {"hour": 10, "minute": 17, "second": 46}
